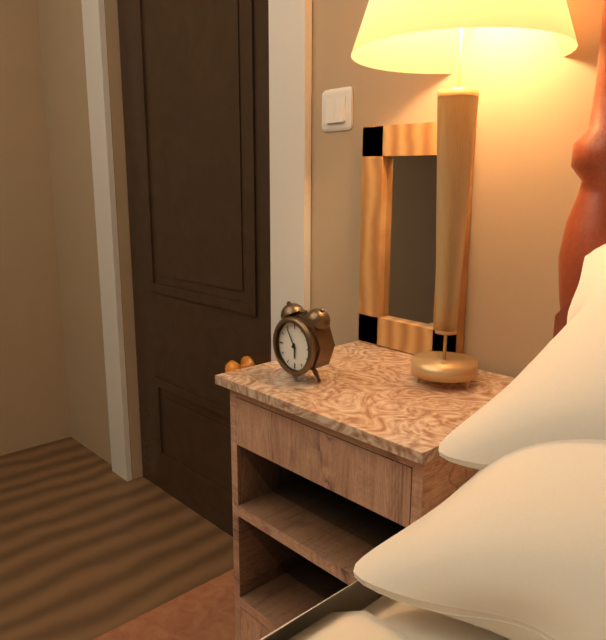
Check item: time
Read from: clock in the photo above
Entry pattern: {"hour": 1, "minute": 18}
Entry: {"hour": 5, "minute": 55}
